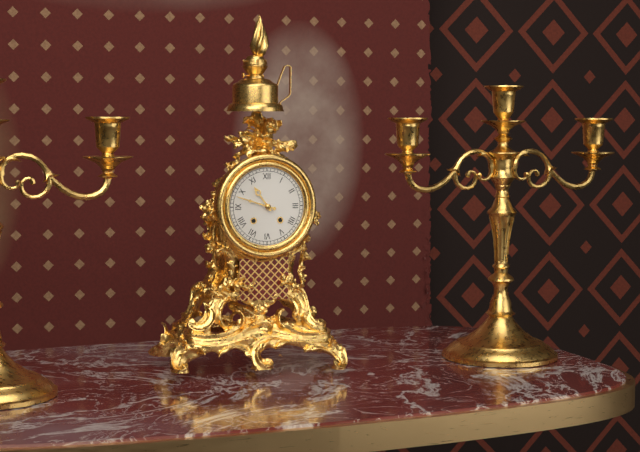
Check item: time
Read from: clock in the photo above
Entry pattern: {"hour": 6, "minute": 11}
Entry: {"hour": 10, "minute": 48}
